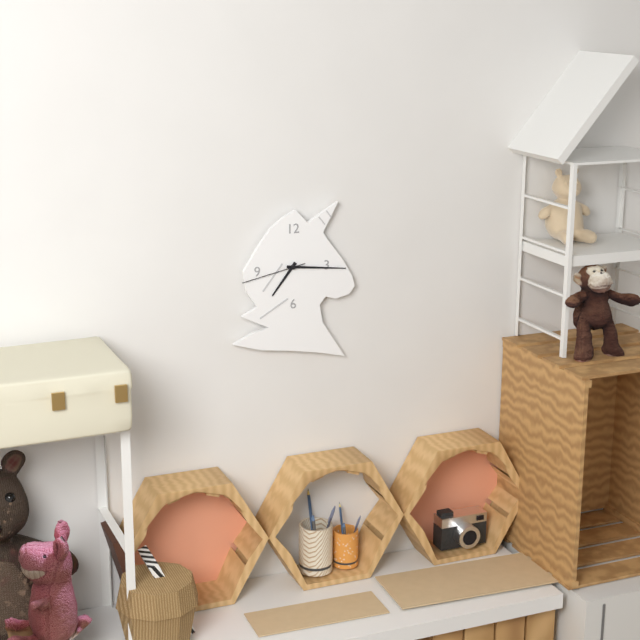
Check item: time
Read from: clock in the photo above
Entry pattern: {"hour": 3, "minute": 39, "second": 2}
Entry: {"hour": 7, "minute": 16, "second": 43}
